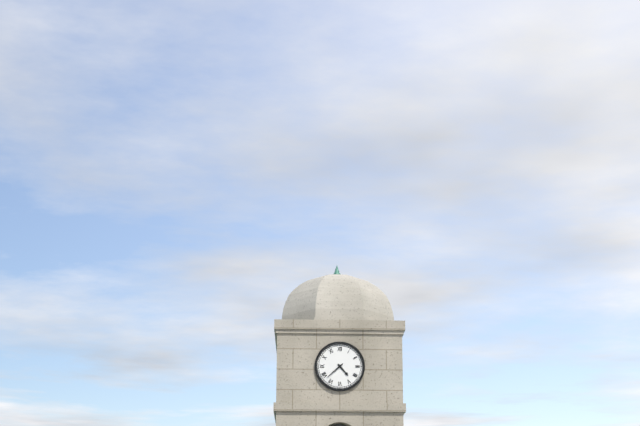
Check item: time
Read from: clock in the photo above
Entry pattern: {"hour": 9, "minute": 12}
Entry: {"hour": 4, "minute": 38}
